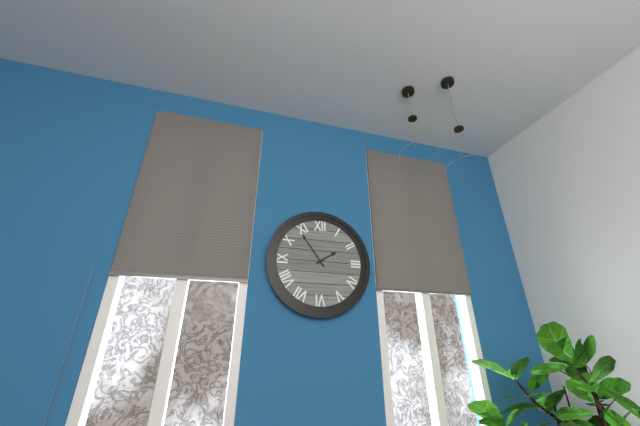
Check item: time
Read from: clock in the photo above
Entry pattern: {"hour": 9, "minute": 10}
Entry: {"hour": 1, "minute": 54}
